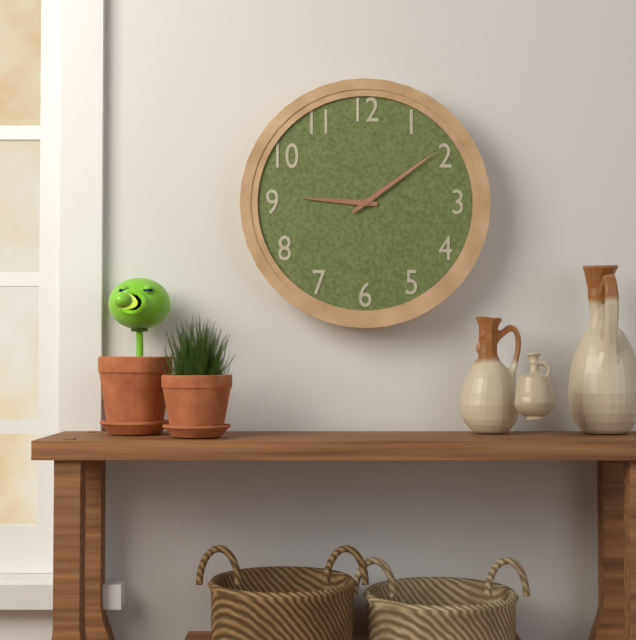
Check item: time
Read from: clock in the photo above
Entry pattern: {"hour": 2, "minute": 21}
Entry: {"hour": 9, "minute": 9}
